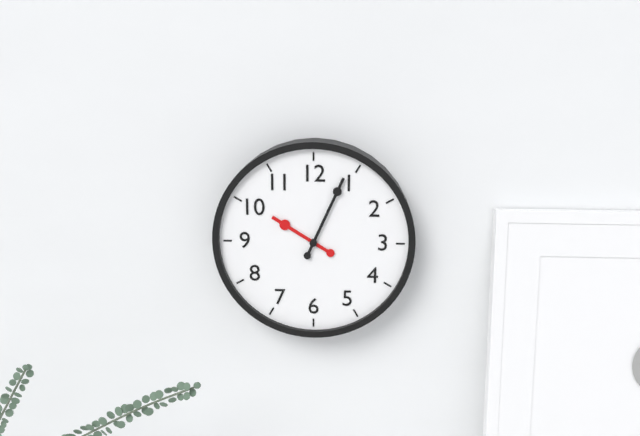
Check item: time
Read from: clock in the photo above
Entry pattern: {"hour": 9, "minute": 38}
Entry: {"hour": 10, "minute": 4}
